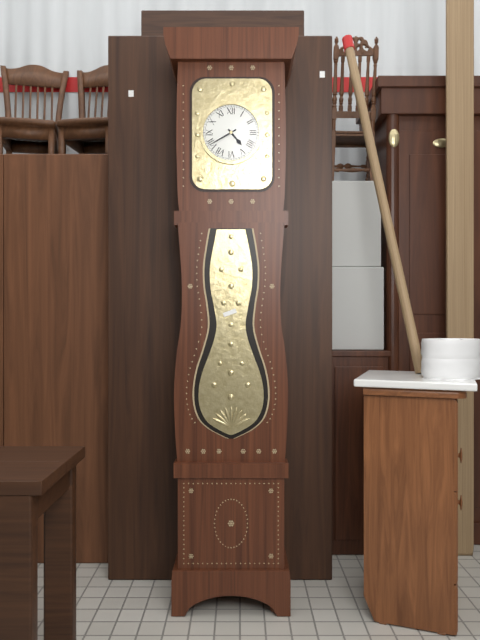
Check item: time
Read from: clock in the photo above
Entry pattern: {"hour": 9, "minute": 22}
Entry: {"hour": 4, "minute": 40}
